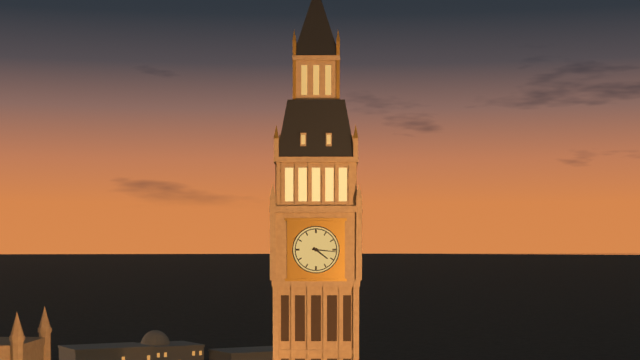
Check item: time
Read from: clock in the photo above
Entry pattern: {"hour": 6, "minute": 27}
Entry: {"hour": 4, "minute": 16}
